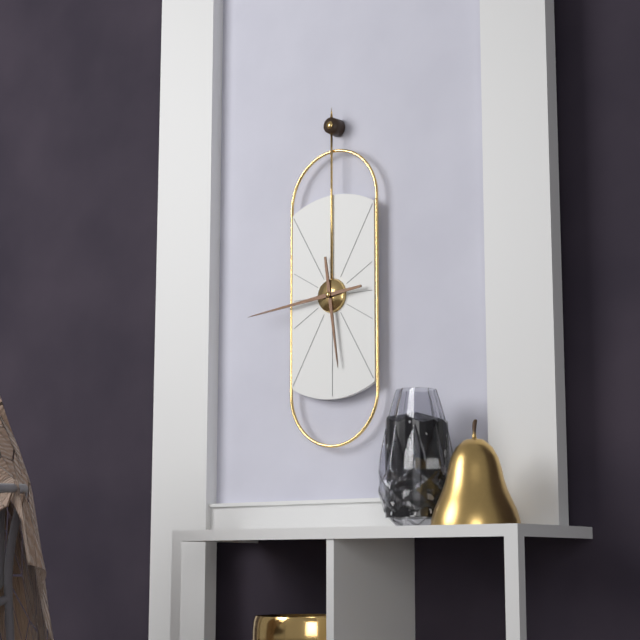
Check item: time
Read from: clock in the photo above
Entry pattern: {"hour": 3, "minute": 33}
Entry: {"hour": 5, "minute": 44}
